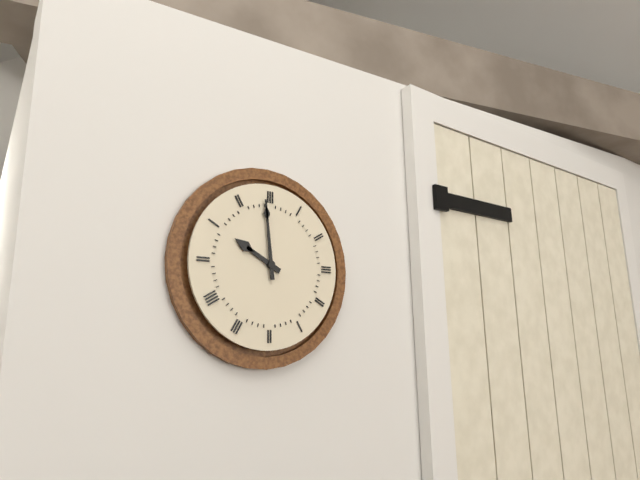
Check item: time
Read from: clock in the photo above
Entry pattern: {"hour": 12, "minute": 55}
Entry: {"hour": 9, "minute": 59}
